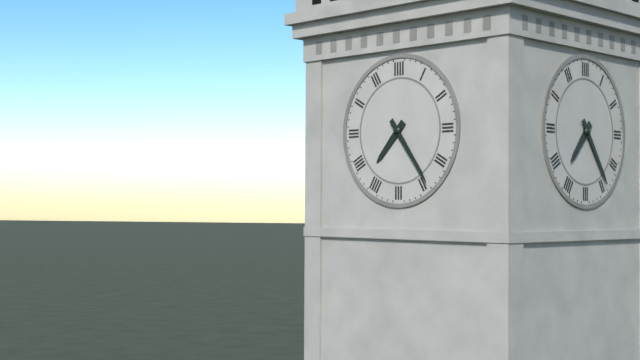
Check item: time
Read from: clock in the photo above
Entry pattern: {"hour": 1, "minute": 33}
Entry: {"hour": 7, "minute": 24}
